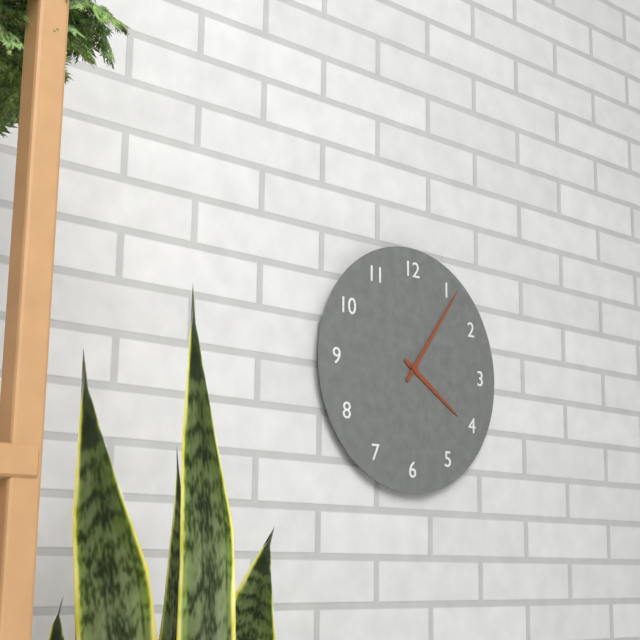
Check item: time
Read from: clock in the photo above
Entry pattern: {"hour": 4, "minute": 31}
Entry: {"hour": 4, "minute": 6}
